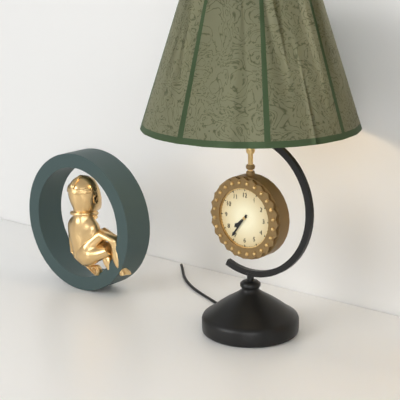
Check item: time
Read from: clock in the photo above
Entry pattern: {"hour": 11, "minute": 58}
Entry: {"hour": 7, "minute": 36}
